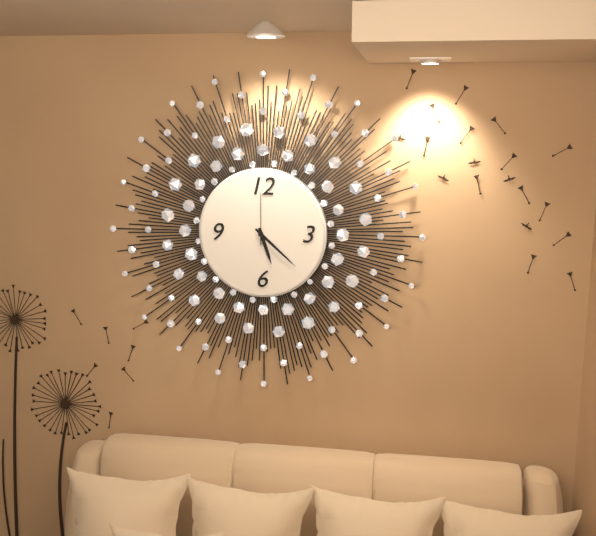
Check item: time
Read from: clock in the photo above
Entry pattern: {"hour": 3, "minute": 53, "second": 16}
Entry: {"hour": 5, "minute": 22, "second": 0}
